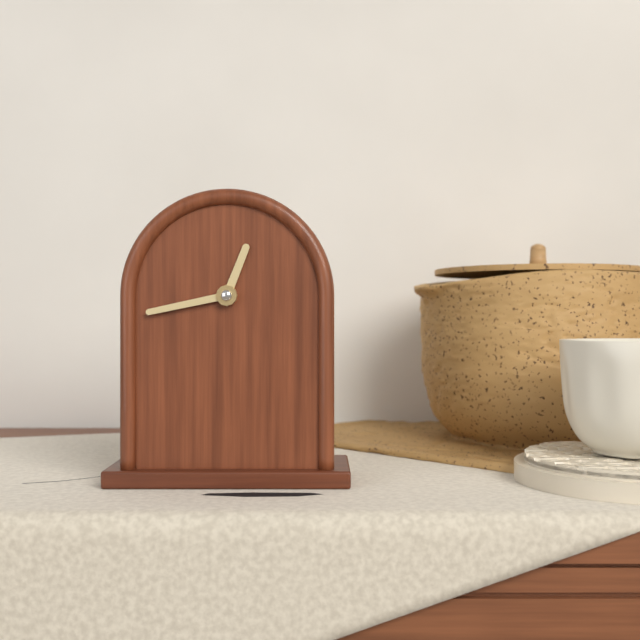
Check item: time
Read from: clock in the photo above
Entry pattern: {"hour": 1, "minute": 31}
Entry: {"hour": 12, "minute": 43}
